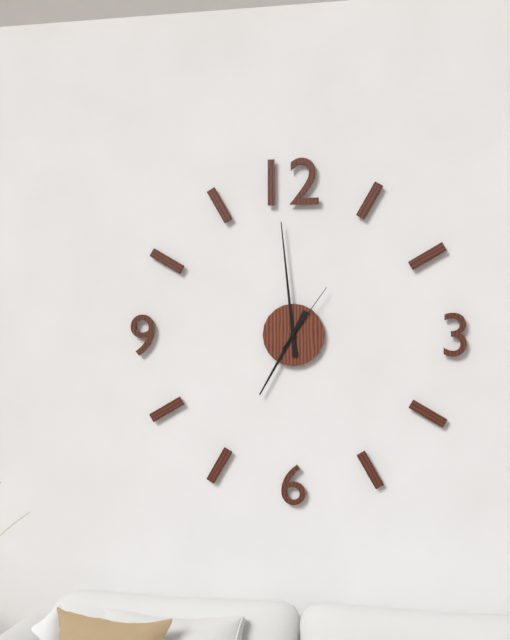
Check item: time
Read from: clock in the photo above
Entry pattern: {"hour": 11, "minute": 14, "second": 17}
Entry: {"hour": 6, "minute": 59, "second": 6}
